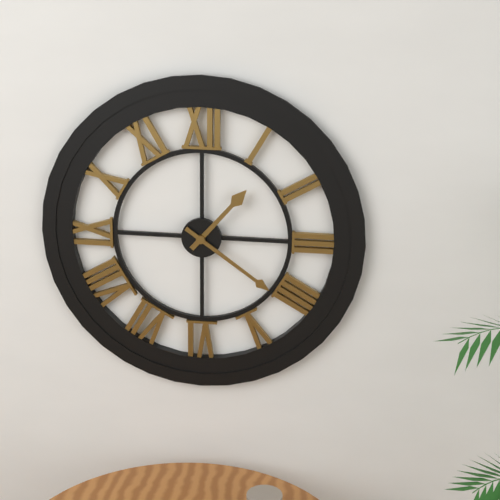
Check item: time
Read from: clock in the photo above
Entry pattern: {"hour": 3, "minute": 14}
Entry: {"hour": 1, "minute": 21}
